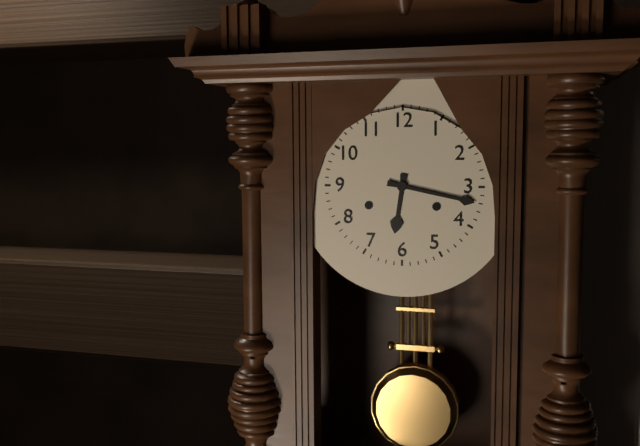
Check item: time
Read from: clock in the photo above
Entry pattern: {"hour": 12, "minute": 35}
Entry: {"hour": 6, "minute": 17}
